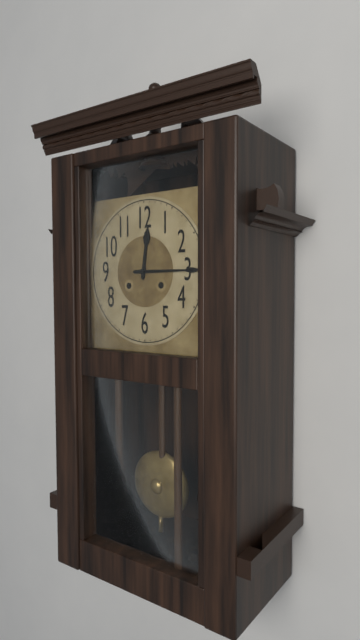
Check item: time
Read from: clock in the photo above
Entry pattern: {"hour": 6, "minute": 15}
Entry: {"hour": 12, "minute": 15}
